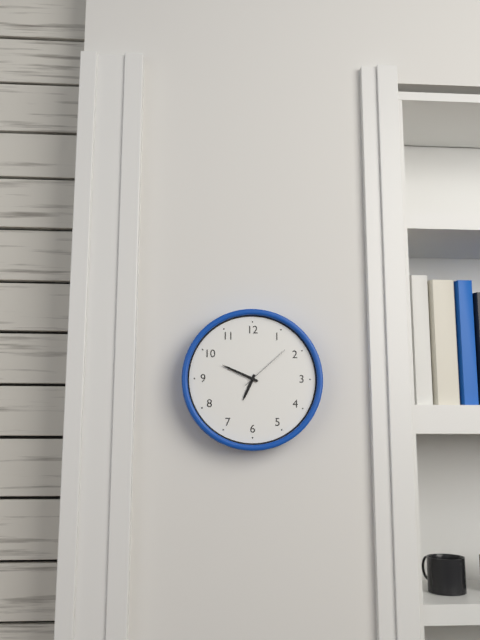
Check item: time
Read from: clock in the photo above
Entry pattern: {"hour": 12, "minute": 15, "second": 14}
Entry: {"hour": 6, "minute": 49, "second": 8}
